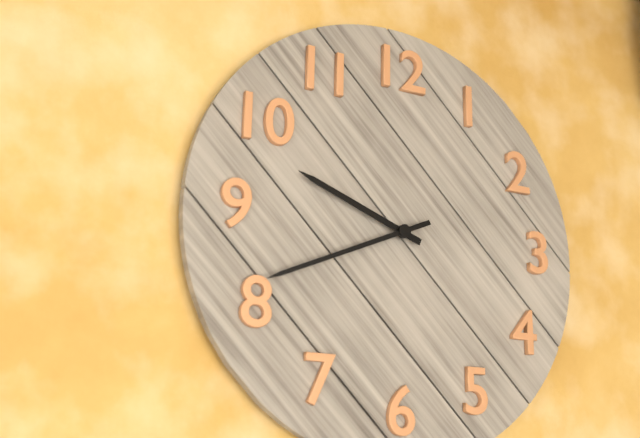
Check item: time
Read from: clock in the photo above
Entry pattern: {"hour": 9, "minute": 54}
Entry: {"hour": 9, "minute": 41}
